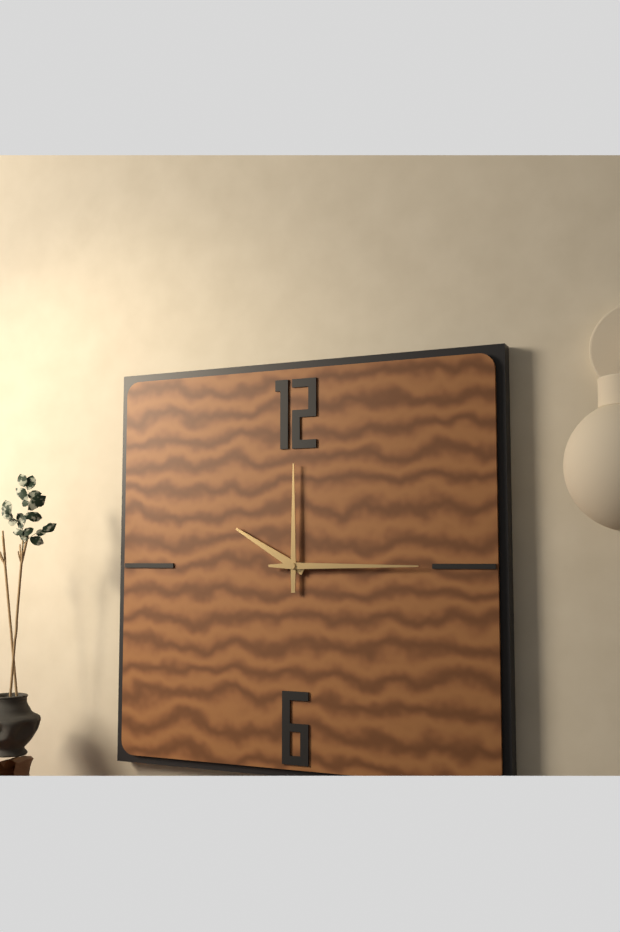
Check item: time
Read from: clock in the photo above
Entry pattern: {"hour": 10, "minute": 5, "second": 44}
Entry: {"hour": 10, "minute": 0, "second": 15}
